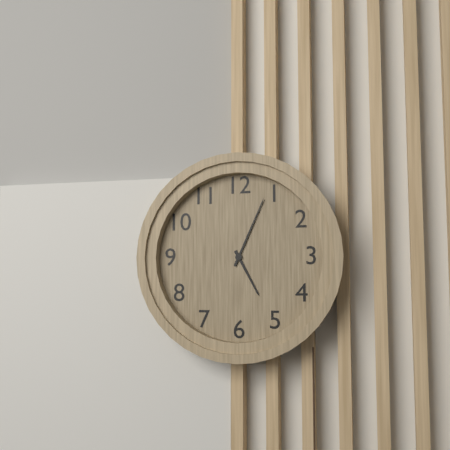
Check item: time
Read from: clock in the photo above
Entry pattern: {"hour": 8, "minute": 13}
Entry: {"hour": 5, "minute": 4}
